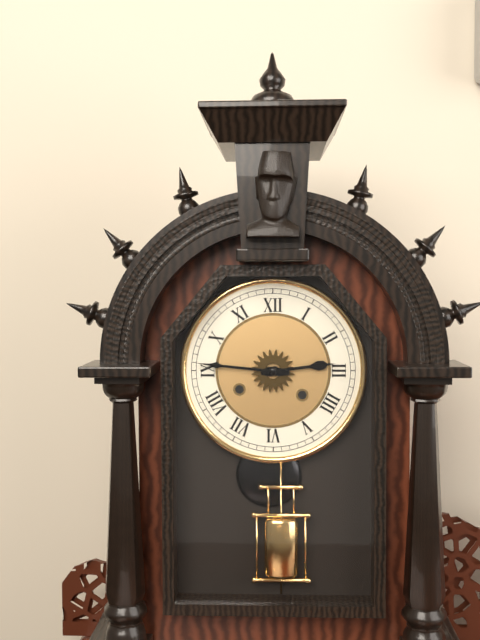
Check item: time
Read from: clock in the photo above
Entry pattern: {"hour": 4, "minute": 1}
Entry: {"hour": 2, "minute": 46}
